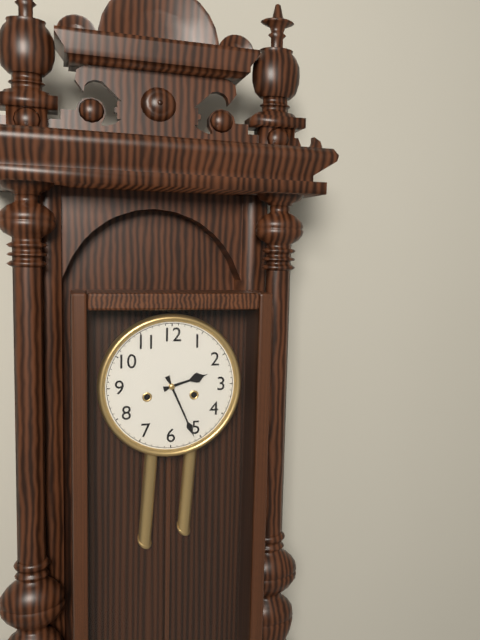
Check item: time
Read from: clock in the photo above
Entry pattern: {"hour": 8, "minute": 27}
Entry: {"hour": 2, "minute": 26}
